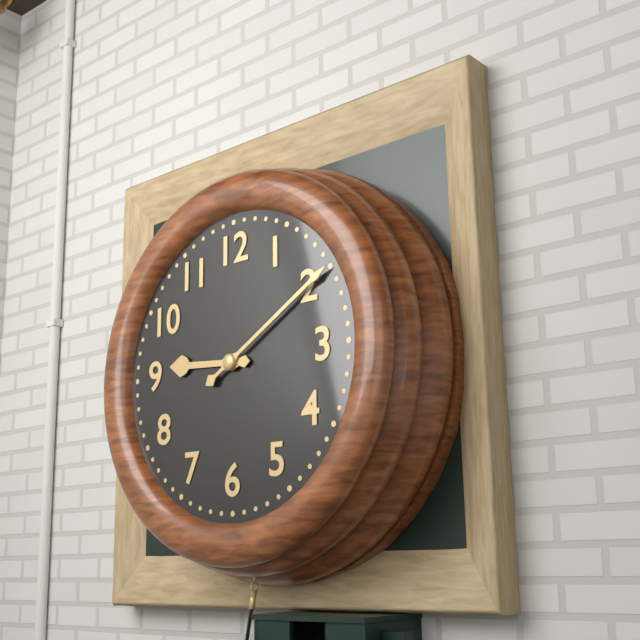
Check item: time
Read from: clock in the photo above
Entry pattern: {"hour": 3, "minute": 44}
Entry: {"hour": 9, "minute": 10}
